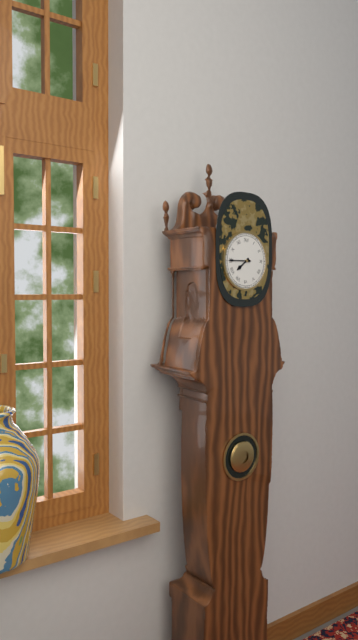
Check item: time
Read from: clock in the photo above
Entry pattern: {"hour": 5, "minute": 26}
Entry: {"hour": 7, "minute": 45}
